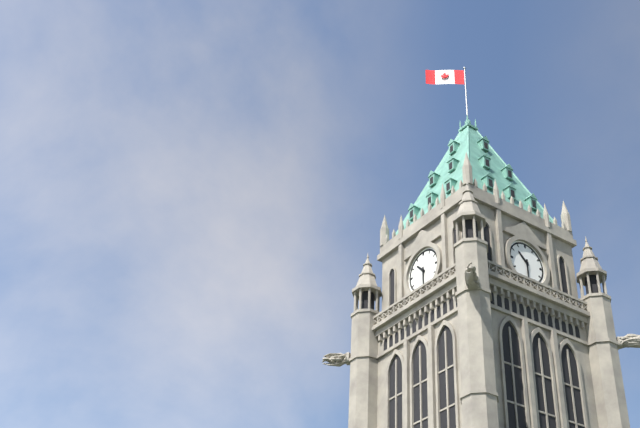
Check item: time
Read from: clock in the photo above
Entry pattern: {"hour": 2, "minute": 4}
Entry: {"hour": 10, "minute": 30}
